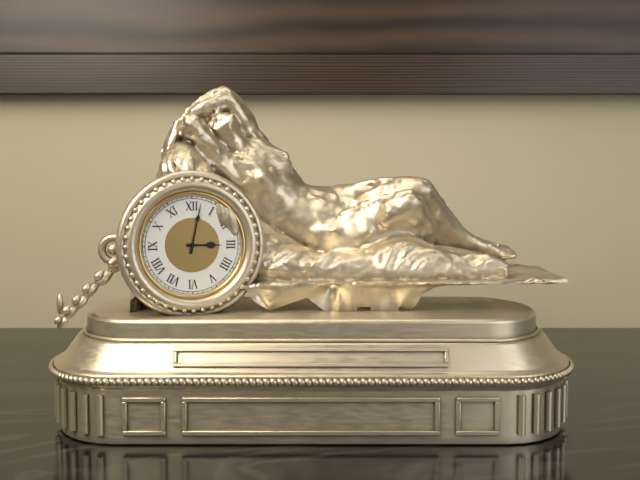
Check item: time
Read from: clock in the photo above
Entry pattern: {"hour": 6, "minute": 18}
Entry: {"hour": 3, "minute": 2}
